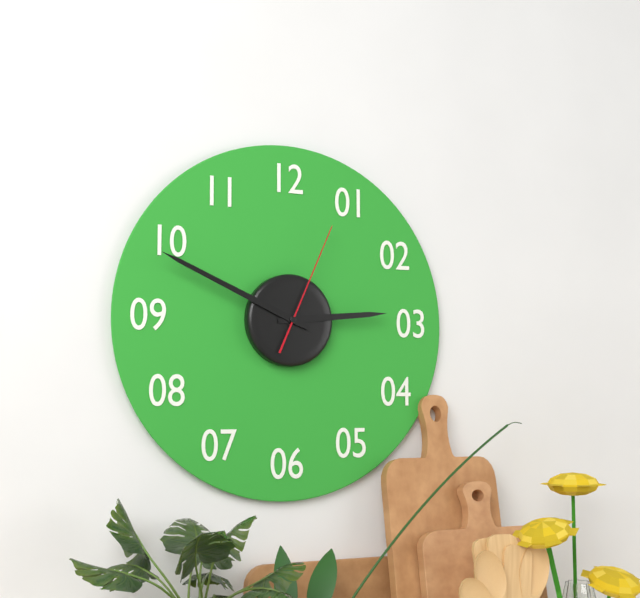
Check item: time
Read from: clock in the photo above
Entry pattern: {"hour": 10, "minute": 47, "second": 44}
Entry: {"hour": 2, "minute": 49, "second": 4}
